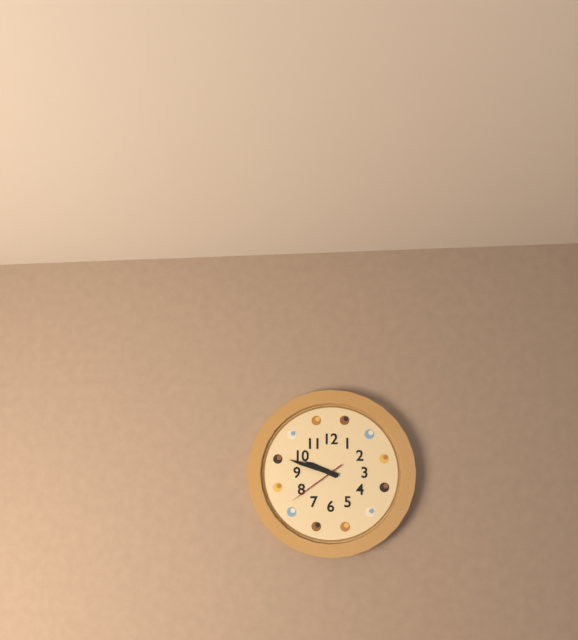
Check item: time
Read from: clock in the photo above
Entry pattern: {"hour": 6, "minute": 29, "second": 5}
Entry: {"hour": 9, "minute": 48, "second": 39}
